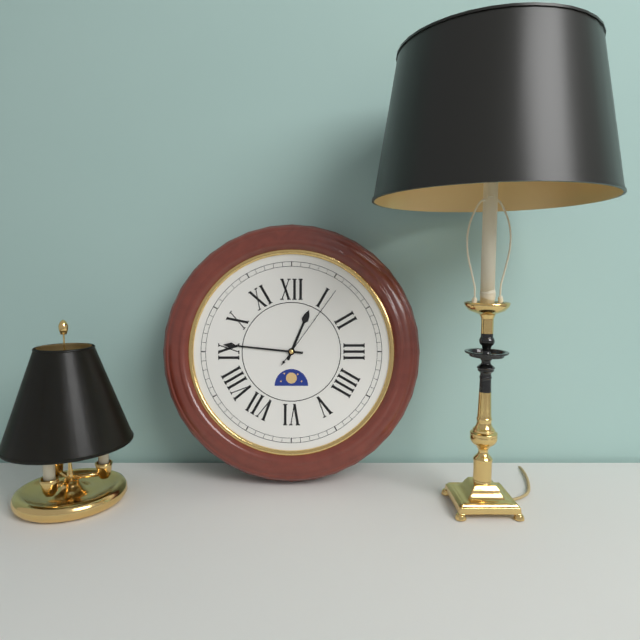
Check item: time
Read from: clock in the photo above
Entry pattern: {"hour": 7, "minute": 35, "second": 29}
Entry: {"hour": 12, "minute": 46, "second": 6}
